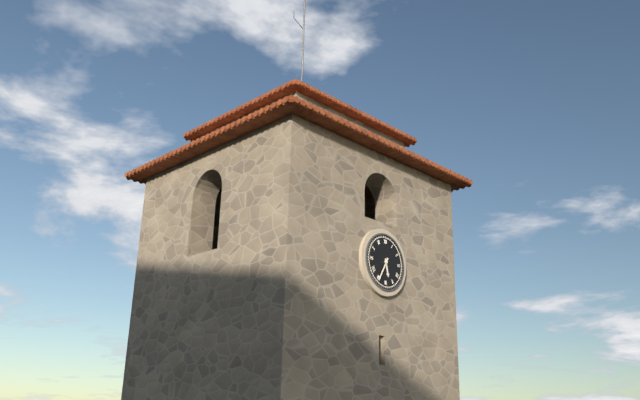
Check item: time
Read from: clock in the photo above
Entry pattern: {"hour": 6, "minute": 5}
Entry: {"hour": 5, "minute": 35}
